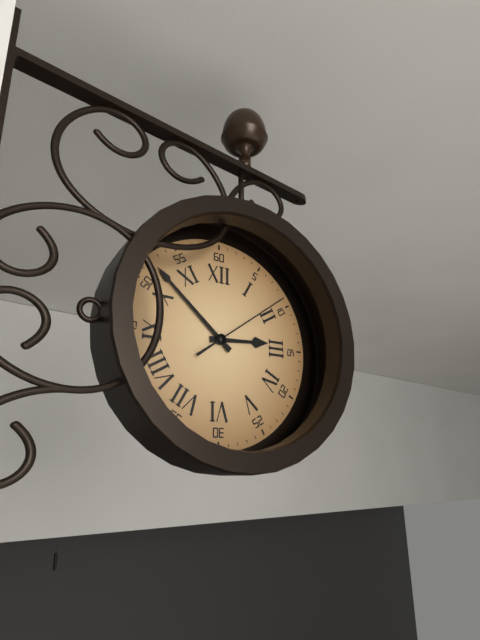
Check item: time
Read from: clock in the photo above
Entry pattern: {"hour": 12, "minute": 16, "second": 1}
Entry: {"hour": 2, "minute": 52, "second": 9}
